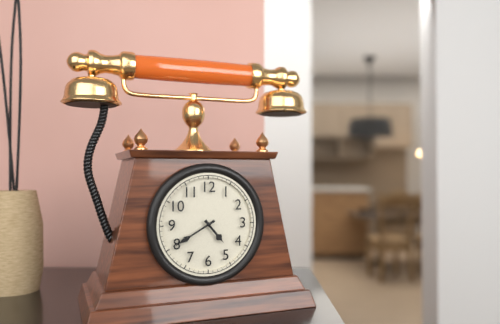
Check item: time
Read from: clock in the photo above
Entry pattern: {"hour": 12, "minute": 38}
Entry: {"hour": 4, "minute": 40}
